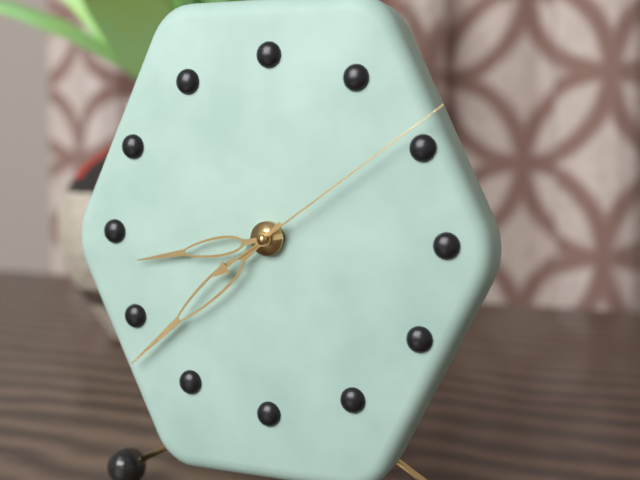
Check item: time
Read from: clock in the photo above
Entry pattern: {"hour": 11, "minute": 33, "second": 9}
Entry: {"hour": 8, "minute": 38, "second": 9}
